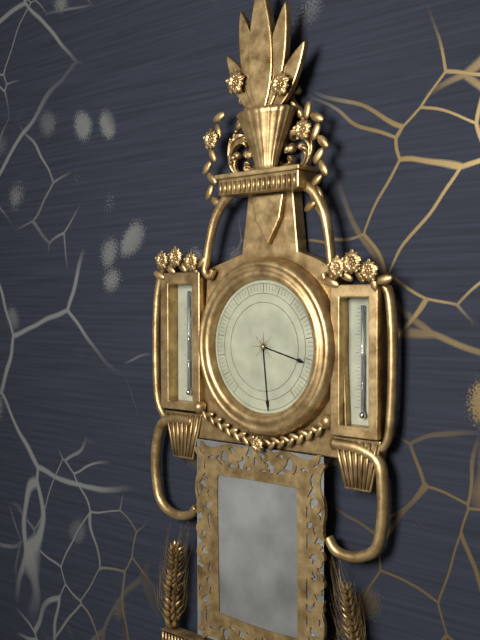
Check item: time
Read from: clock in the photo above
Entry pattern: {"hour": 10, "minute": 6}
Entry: {"hour": 3, "minute": 29}
